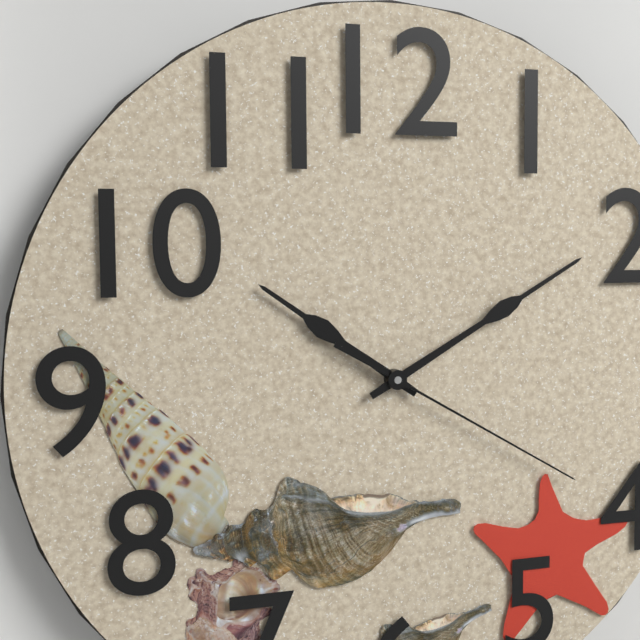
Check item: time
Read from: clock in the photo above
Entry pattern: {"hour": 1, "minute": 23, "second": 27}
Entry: {"hour": 10, "minute": 10, "second": 20}
